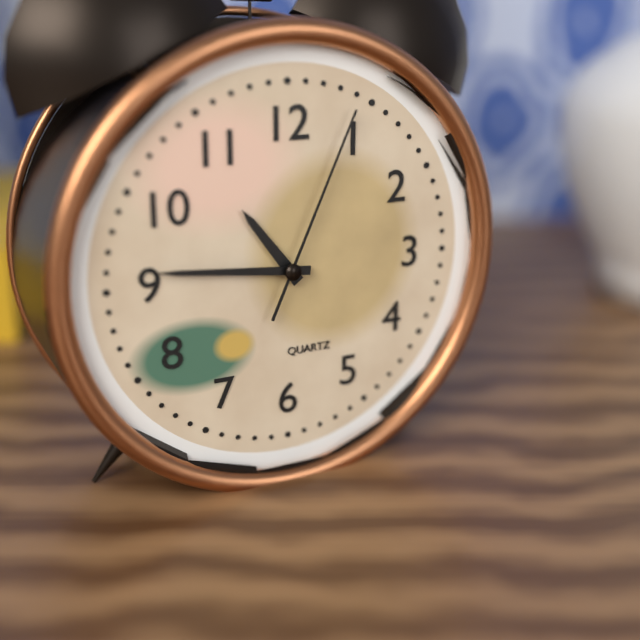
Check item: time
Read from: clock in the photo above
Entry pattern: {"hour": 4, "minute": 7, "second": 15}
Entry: {"hour": 10, "minute": 46, "second": 4}
